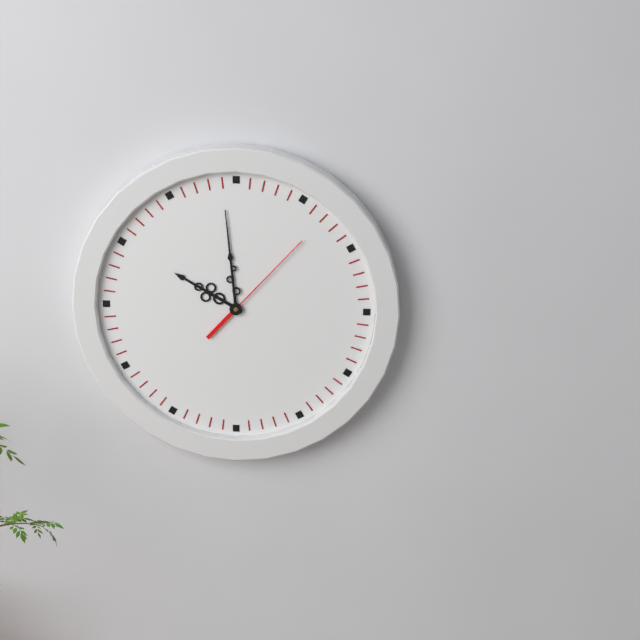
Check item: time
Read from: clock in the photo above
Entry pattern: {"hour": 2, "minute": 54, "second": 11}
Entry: {"hour": 9, "minute": 59, "second": 7}
